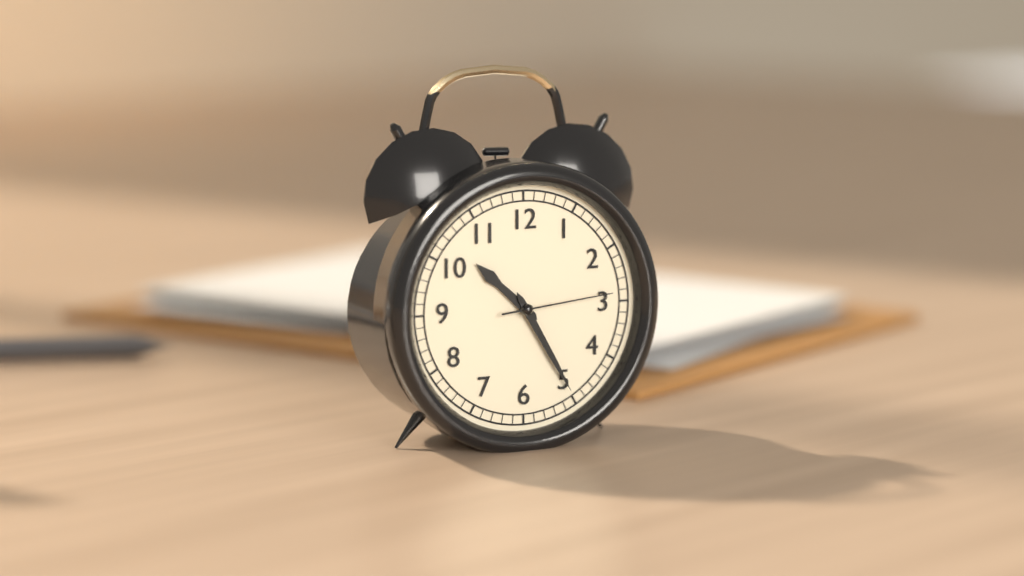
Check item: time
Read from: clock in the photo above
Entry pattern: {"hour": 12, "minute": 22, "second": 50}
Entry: {"hour": 10, "minute": 25, "second": 14}
